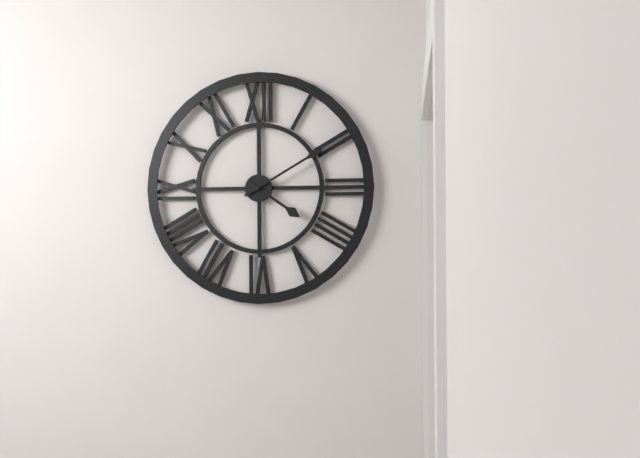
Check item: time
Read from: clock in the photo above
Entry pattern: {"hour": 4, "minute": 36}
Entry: {"hour": 4, "minute": 10}
